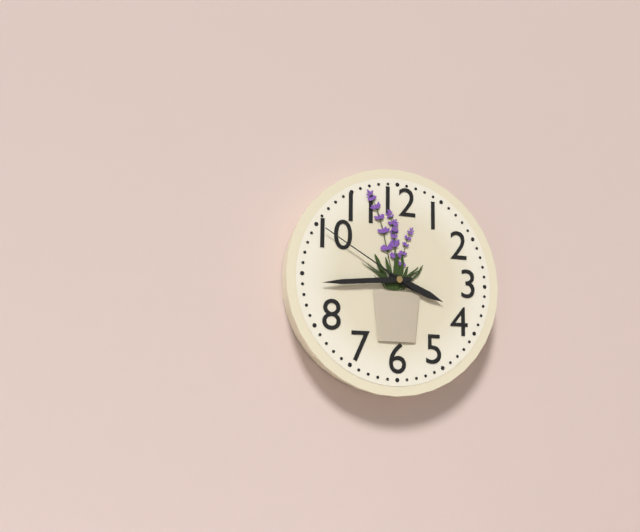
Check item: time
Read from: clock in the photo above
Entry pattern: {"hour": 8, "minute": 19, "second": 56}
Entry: {"hour": 3, "minute": 44, "second": 50}
